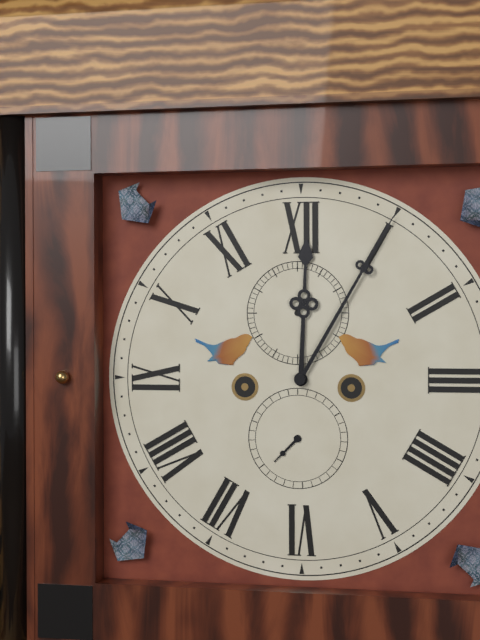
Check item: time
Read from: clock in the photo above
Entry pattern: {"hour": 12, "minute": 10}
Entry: {"hour": 12, "minute": 5}
